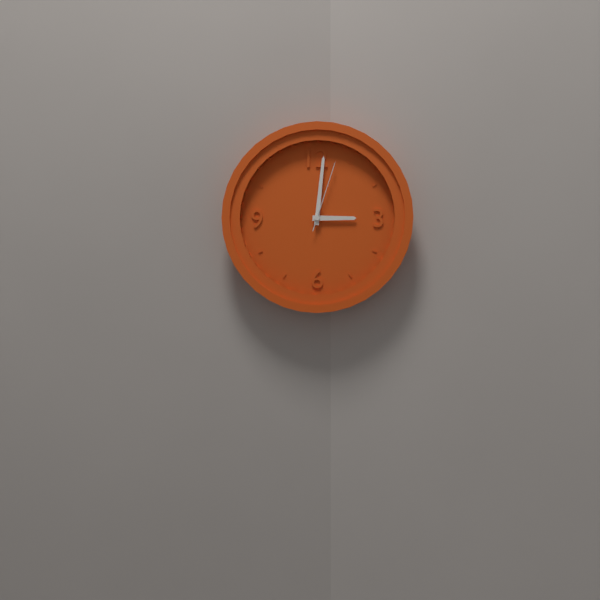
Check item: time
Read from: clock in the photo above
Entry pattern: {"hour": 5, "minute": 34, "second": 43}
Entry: {"hour": 3, "minute": 1, "second": 3}
